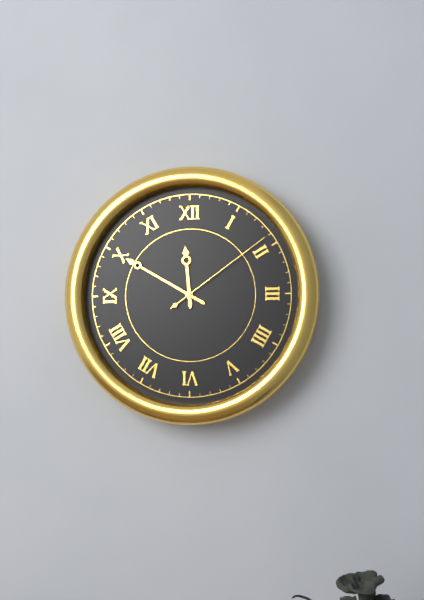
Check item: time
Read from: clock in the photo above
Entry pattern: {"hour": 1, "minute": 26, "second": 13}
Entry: {"hour": 11, "minute": 50, "second": 9}
